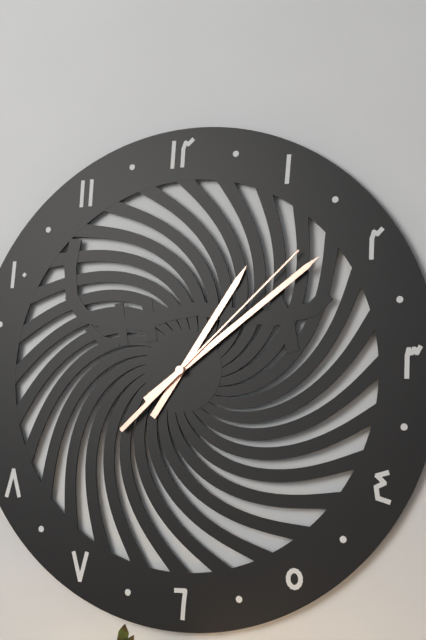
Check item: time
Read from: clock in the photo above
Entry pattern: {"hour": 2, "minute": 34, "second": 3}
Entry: {"hour": 1, "minute": 9, "second": 8}
